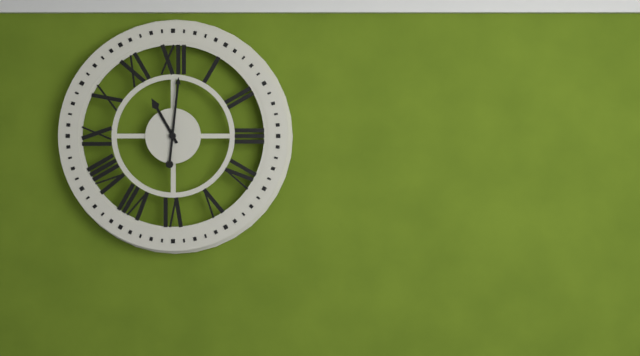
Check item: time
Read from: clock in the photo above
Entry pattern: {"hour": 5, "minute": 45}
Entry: {"hour": 11, "minute": 1}
